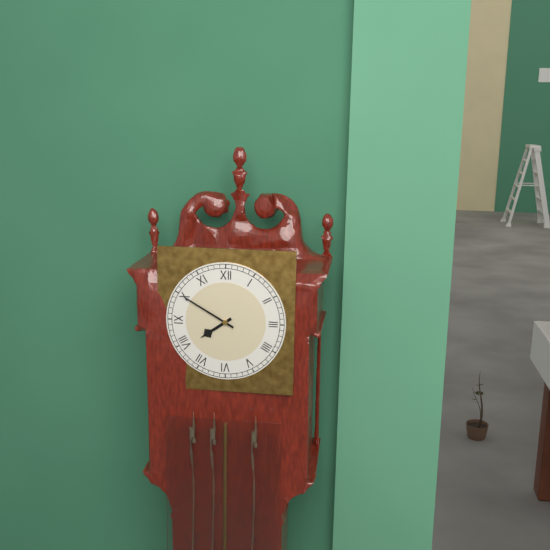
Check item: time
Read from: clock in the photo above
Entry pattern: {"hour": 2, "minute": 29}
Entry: {"hour": 7, "minute": 50}
